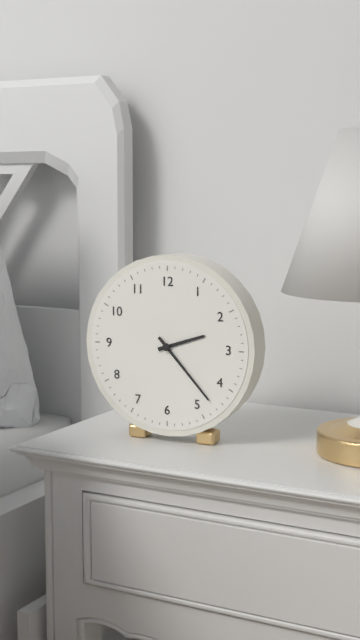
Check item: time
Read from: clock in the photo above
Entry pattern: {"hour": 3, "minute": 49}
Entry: {"hour": 2, "minute": 23}
